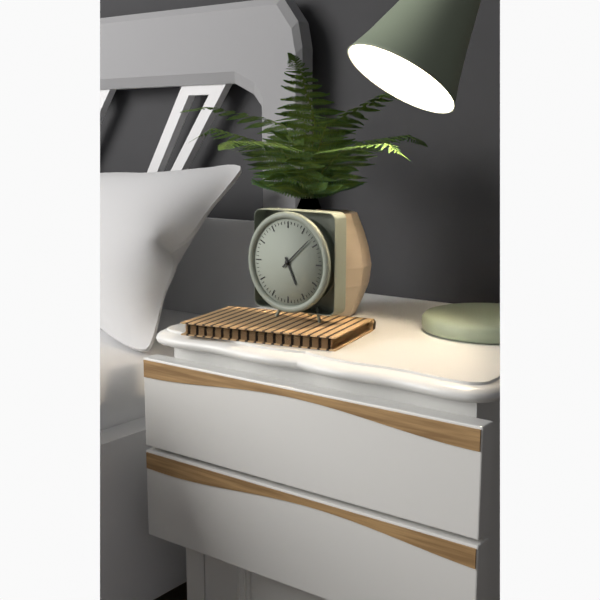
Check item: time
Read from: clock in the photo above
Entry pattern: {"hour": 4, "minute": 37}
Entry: {"hour": 5, "minute": 8}
